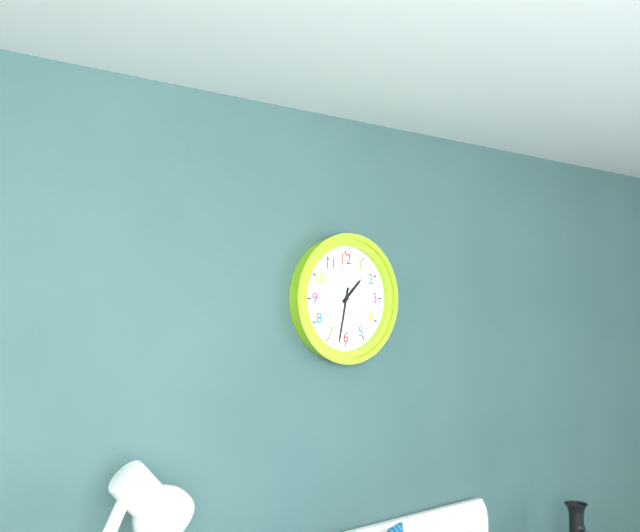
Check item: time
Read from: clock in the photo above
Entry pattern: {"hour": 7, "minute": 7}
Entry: {"hour": 1, "minute": 32}
